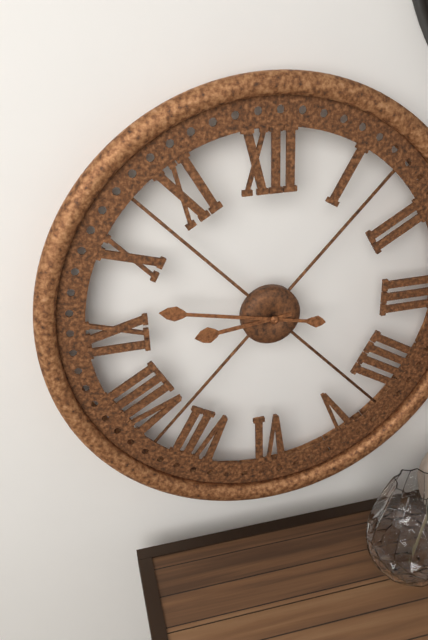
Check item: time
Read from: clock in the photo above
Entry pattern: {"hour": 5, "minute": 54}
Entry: {"hour": 8, "minute": 47}
